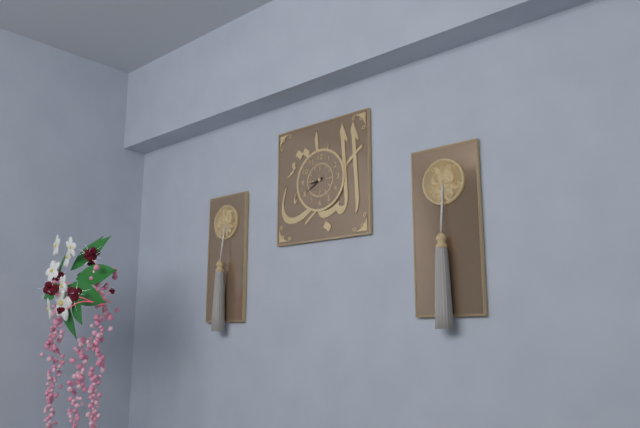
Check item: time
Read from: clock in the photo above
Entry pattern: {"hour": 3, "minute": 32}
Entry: {"hour": 8, "minute": 40}
